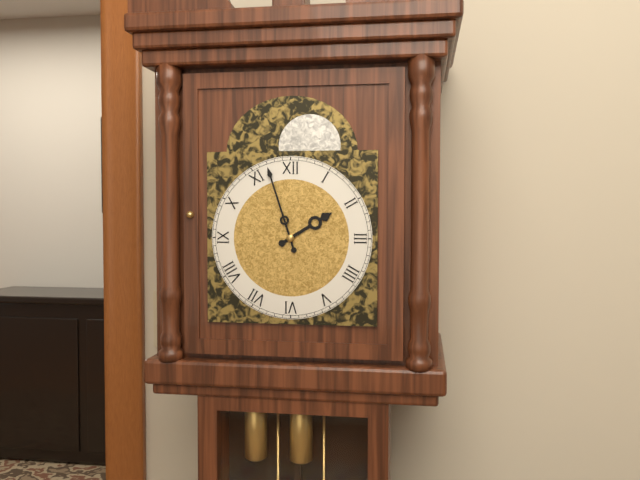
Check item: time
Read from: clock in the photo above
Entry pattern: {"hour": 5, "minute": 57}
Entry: {"hour": 1, "minute": 57}
